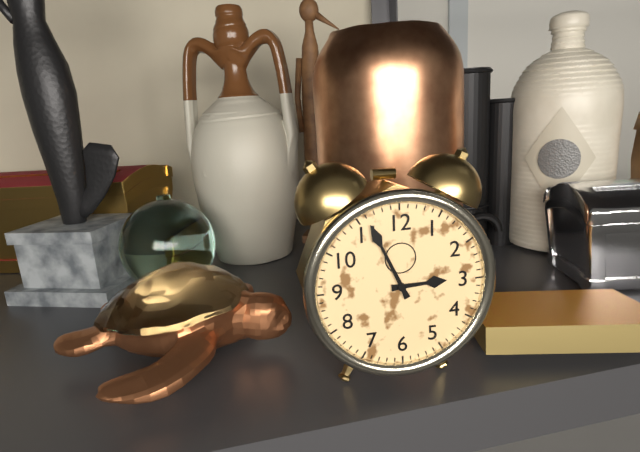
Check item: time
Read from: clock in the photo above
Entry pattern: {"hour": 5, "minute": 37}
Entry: {"hour": 2, "minute": 56}
